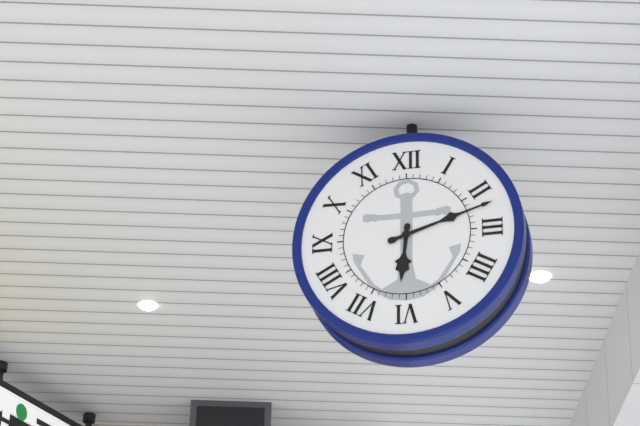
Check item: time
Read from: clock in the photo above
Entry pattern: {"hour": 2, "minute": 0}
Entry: {"hour": 6, "minute": 12}
